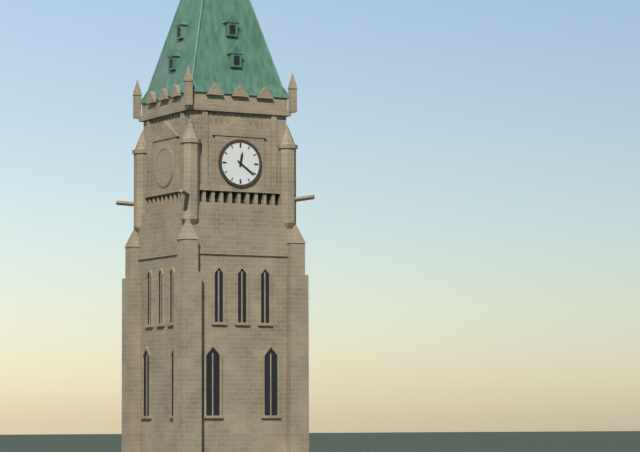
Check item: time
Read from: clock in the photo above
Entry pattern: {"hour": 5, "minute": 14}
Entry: {"hour": 12, "minute": 21}
